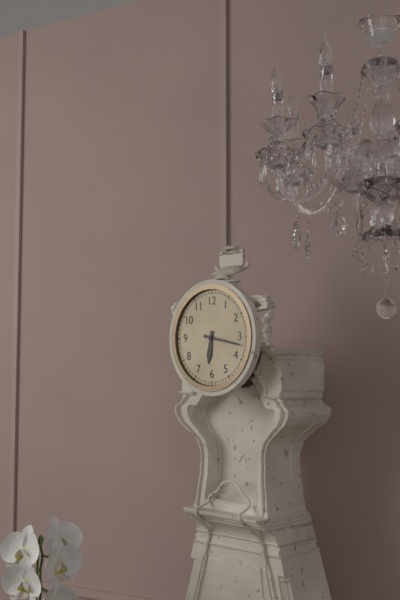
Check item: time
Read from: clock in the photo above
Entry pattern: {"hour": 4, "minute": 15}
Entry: {"hour": 6, "minute": 17}
